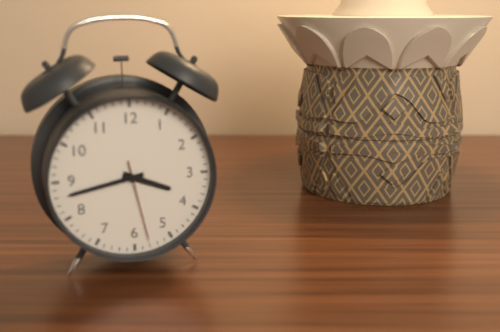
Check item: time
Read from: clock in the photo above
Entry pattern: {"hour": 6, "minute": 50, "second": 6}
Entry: {"hour": 3, "minute": 43, "second": 28}
